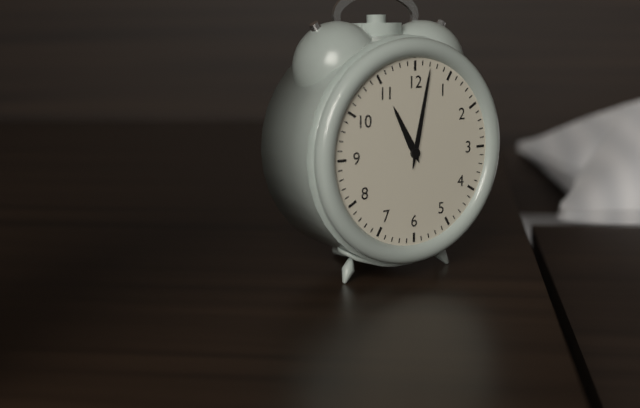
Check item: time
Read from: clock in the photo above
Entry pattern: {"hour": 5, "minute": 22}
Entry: {"hour": 11, "minute": 2}
